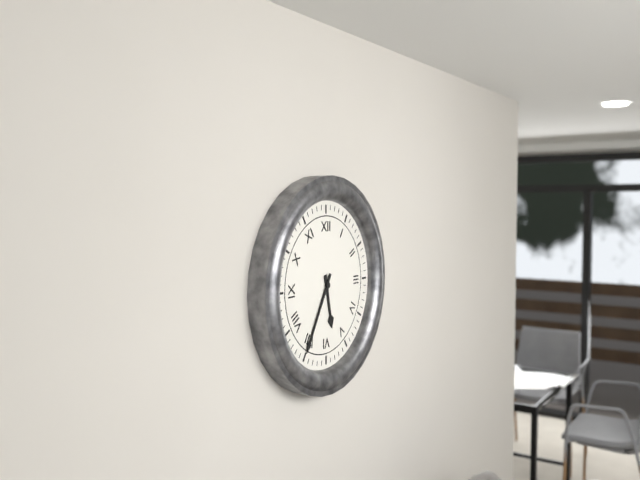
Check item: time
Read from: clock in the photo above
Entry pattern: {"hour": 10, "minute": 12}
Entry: {"hour": 5, "minute": 35}
